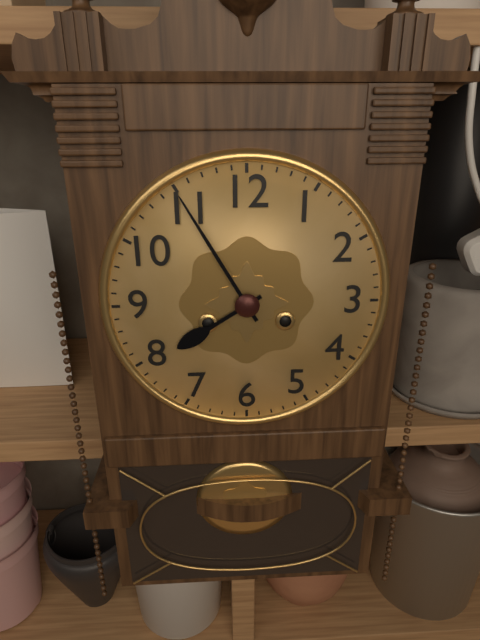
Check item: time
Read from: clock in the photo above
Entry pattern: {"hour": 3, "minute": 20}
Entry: {"hour": 7, "minute": 55}
